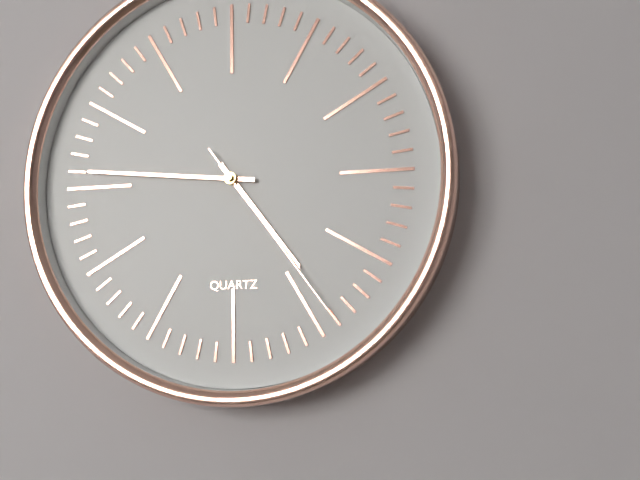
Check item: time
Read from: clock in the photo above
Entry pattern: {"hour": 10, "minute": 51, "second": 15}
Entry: {"hour": 4, "minute": 46, "second": 24}
